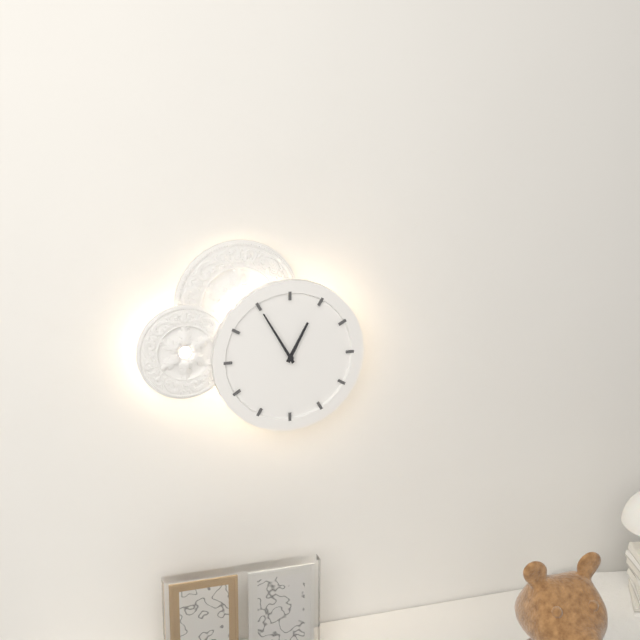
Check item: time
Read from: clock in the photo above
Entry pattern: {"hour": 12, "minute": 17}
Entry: {"hour": 12, "minute": 55}
